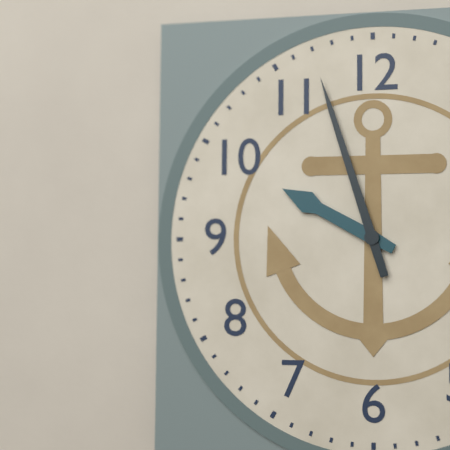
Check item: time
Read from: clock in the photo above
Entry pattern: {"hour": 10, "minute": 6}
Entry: {"hour": 9, "minute": 57}
